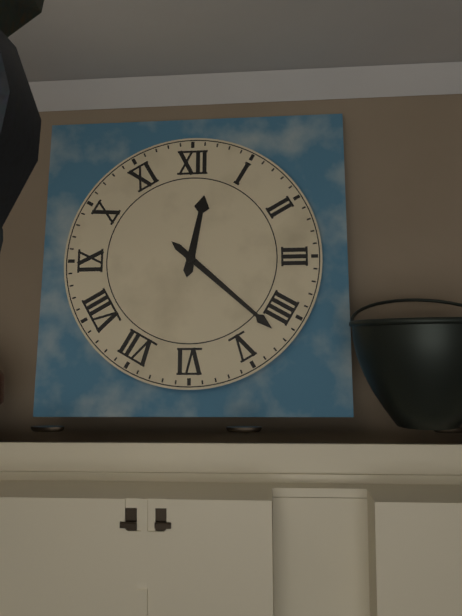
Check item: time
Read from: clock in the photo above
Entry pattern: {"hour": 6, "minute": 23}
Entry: {"hour": 12, "minute": 22}
